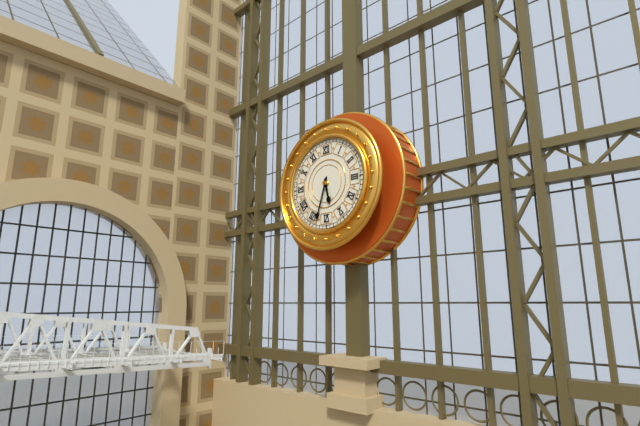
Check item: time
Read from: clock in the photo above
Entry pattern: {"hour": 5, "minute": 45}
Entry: {"hour": 5, "minute": 33}
